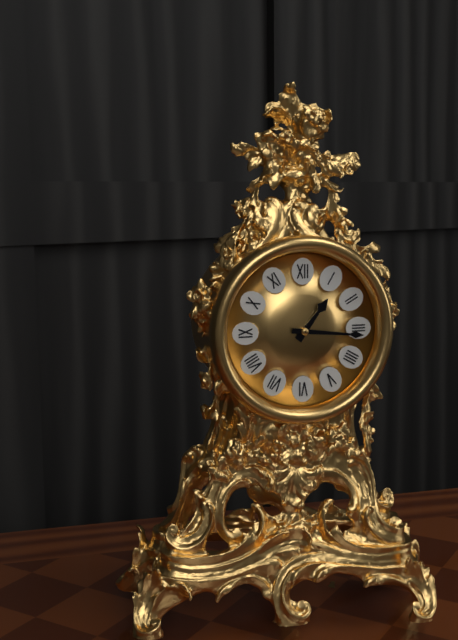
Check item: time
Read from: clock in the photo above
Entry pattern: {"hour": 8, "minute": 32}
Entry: {"hour": 1, "minute": 16}
